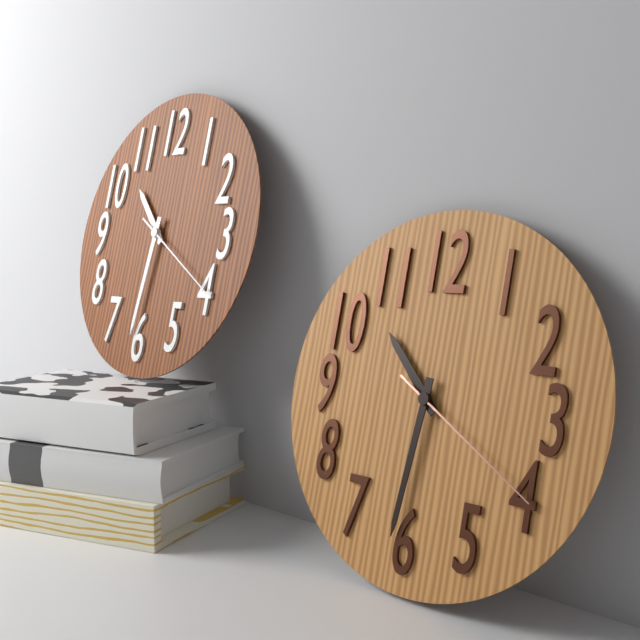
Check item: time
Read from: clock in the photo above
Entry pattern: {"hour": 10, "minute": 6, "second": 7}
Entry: {"hour": 10, "minute": 31, "second": 20}
